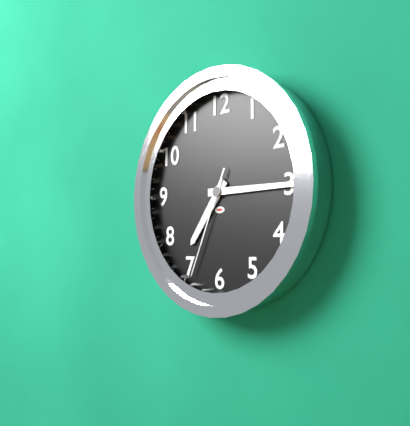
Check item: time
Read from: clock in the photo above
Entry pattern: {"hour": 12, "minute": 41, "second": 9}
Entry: {"hour": 7, "minute": 15, "second": 34}
